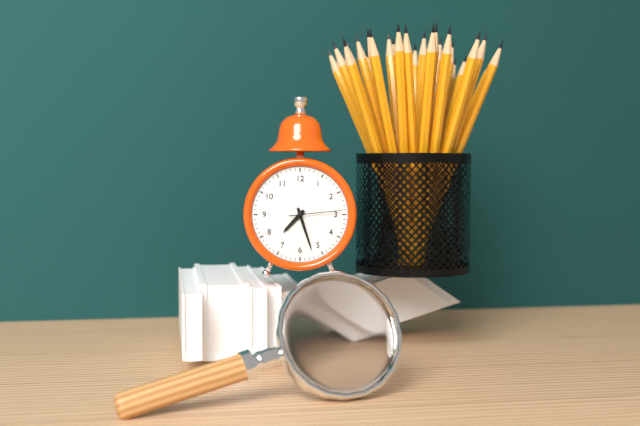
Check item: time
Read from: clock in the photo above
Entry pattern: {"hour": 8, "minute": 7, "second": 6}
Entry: {"hour": 7, "minute": 27, "second": 14}
